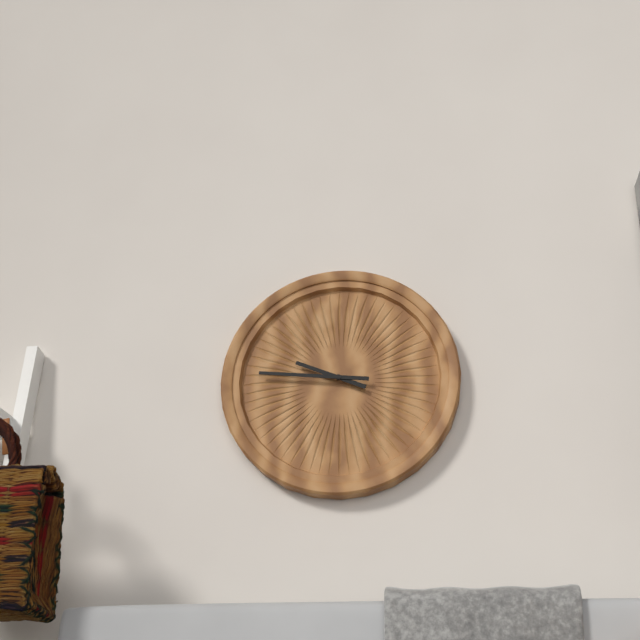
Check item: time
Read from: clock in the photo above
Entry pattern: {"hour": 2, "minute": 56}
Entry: {"hour": 9, "minute": 46}
